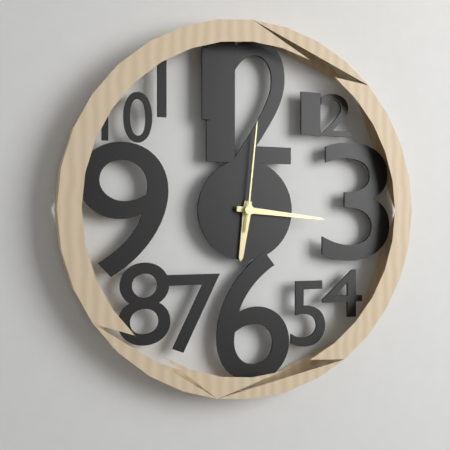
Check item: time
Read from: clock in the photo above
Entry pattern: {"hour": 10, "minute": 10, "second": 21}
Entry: {"hour": 6, "minute": 16, "second": 1}
